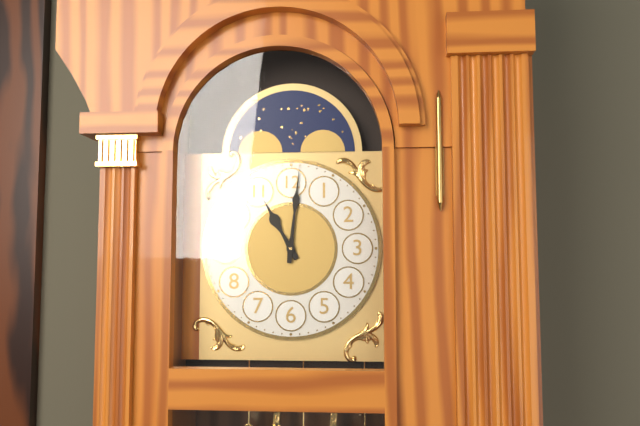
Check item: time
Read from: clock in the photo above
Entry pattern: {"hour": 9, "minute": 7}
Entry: {"hour": 11, "minute": 1}
